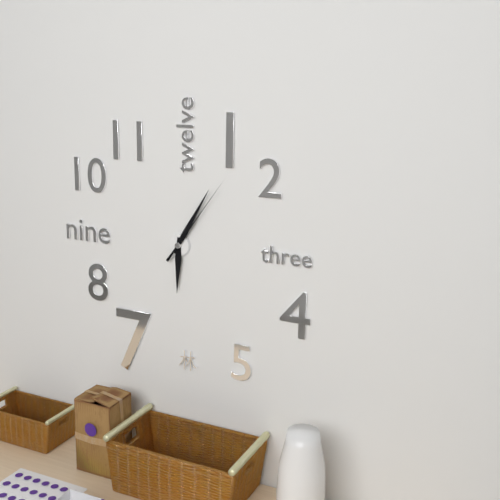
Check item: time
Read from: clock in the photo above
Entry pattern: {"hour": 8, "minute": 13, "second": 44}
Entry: {"hour": 6, "minute": 5, "second": 6}
